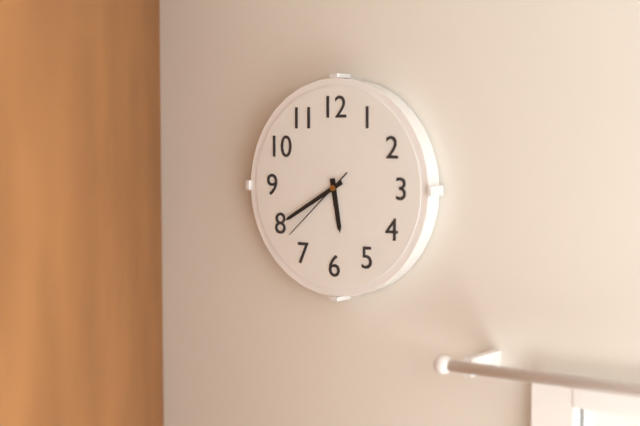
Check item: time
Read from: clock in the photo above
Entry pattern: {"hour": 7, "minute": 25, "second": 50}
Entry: {"hour": 5, "minute": 40, "second": 38}
